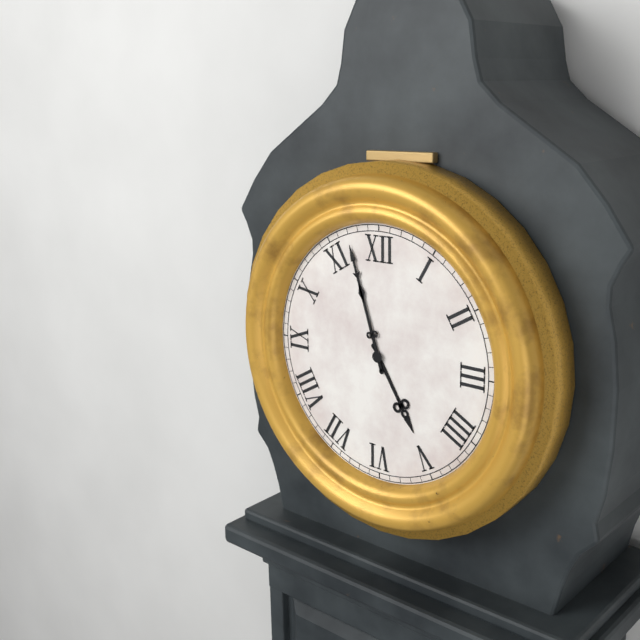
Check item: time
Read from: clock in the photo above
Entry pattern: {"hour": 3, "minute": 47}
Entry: {"hour": 4, "minute": 57}
